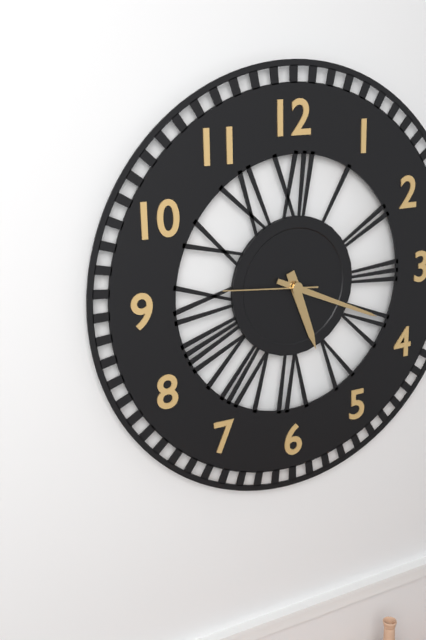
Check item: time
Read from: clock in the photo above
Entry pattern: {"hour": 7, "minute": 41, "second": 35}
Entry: {"hour": 5, "minute": 19, "second": 46}
